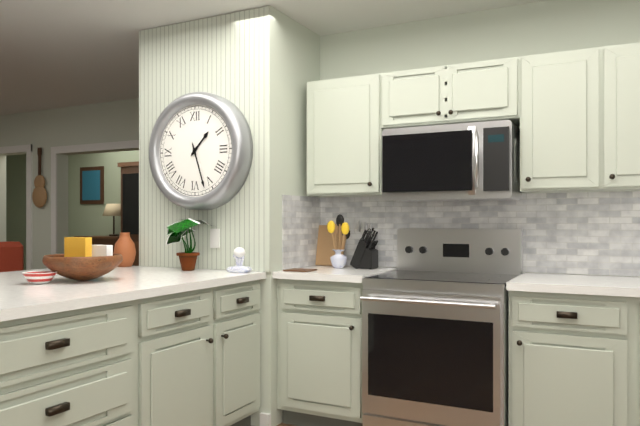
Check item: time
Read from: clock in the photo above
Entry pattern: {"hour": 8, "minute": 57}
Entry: {"hour": 1, "minute": 27}
